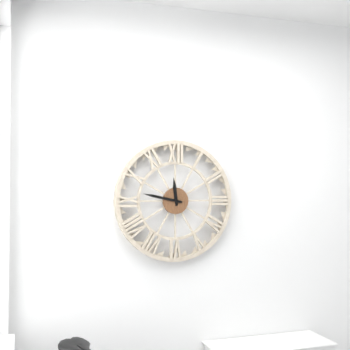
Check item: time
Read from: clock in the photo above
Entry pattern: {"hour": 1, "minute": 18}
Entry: {"hour": 11, "minute": 47}
